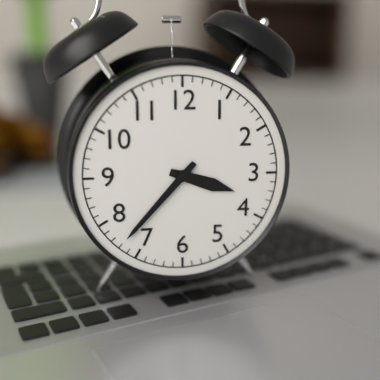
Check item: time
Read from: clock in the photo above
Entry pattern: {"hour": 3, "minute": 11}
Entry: {"hour": 3, "minute": 37}
